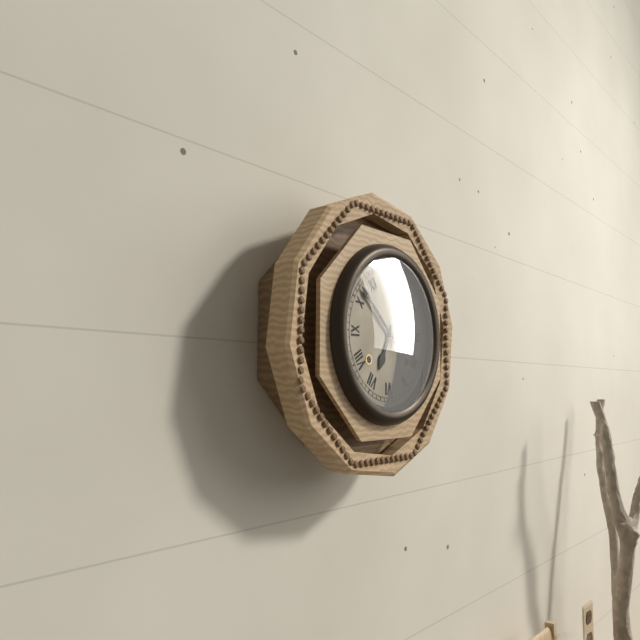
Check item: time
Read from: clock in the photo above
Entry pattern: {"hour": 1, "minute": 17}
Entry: {"hour": 6, "minute": 52}
